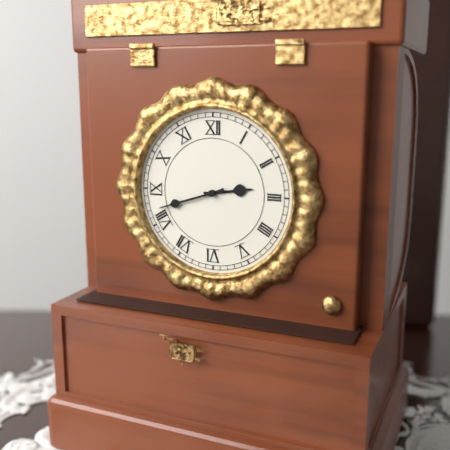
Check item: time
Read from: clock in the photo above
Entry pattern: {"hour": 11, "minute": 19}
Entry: {"hour": 2, "minute": 42}
